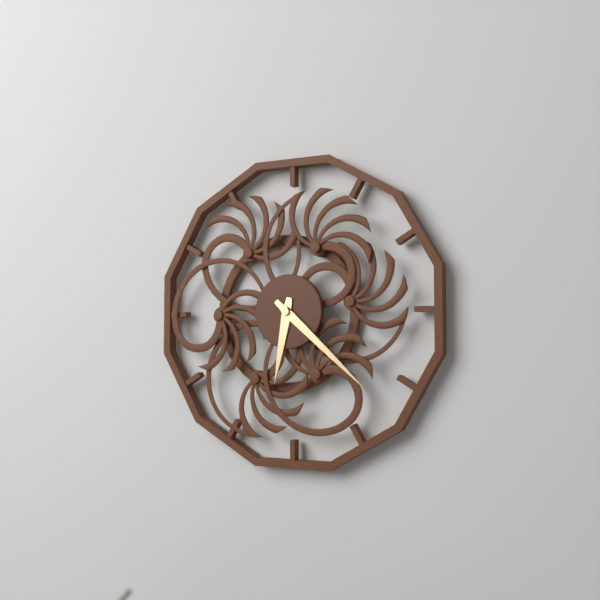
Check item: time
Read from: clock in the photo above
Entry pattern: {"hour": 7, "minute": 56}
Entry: {"hour": 6, "minute": 22}
